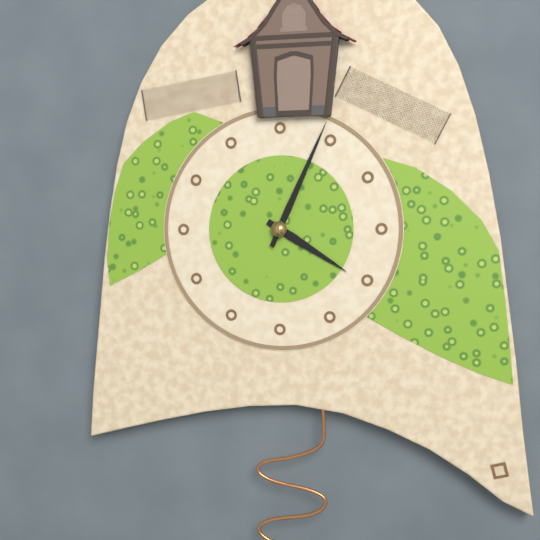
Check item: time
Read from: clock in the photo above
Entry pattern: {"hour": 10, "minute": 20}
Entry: {"hour": 4, "minute": 4}
